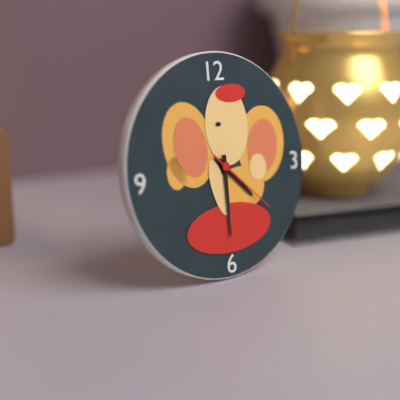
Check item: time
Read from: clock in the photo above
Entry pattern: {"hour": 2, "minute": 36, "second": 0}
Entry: {"hour": 4, "minute": 30, "second": 22}
